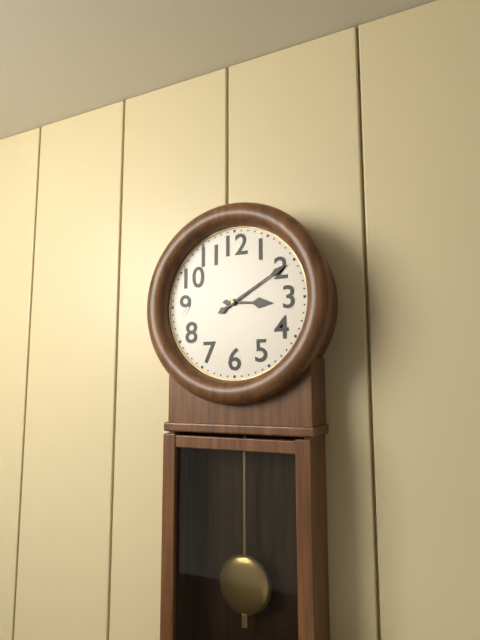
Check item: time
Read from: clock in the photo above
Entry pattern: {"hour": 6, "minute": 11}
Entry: {"hour": 3, "minute": 10}
